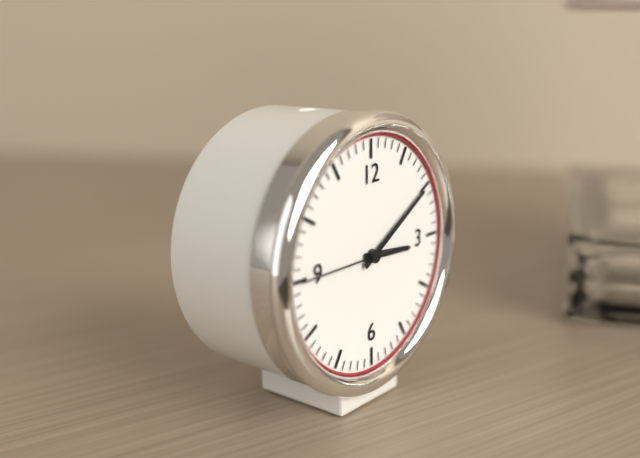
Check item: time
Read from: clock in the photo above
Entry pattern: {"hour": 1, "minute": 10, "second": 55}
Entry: {"hour": 3, "minute": 10, "second": 45}
